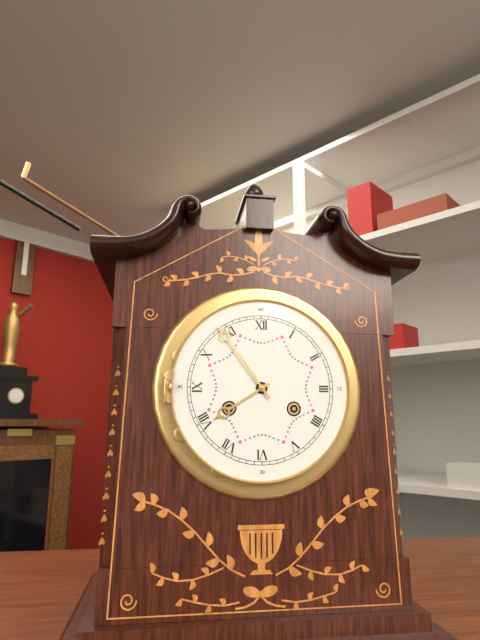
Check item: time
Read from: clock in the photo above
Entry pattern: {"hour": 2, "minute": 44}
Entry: {"hour": 7, "minute": 54}
